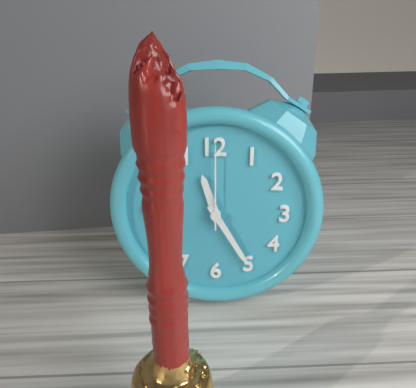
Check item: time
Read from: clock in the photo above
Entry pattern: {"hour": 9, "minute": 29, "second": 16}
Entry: {"hour": 11, "minute": 25, "second": 0}
